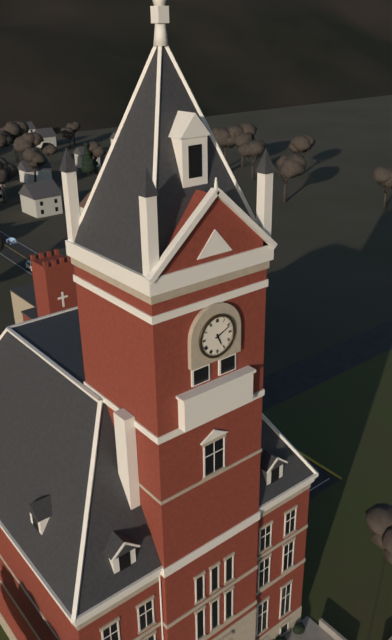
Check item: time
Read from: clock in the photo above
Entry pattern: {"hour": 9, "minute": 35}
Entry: {"hour": 5, "minute": 11}
